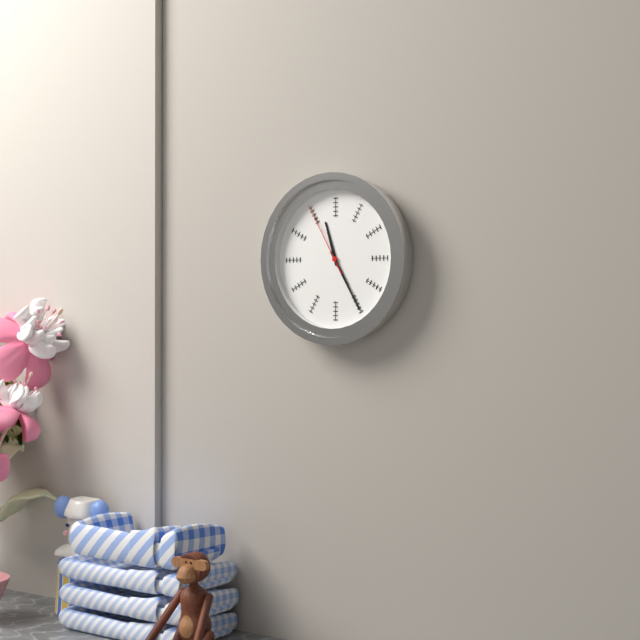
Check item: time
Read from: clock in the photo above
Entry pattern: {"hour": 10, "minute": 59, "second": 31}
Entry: {"hour": 11, "minute": 25, "second": 55}
